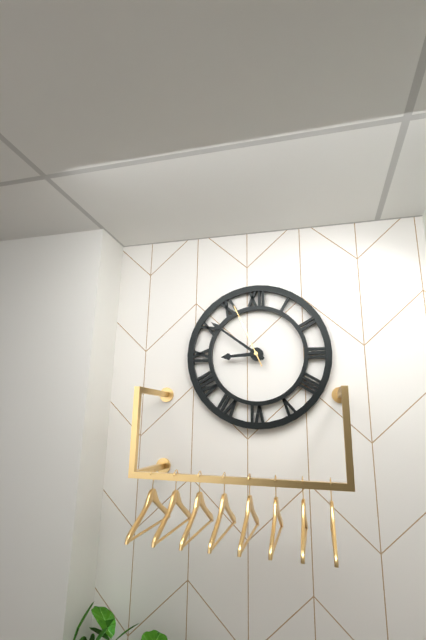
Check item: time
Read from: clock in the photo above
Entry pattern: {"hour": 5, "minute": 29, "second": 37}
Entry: {"hour": 8, "minute": 51, "second": 56}
